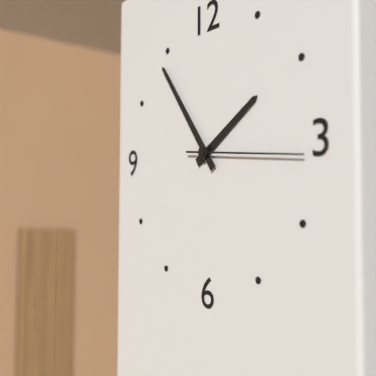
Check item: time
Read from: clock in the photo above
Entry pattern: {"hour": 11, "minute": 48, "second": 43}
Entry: {"hour": 1, "minute": 54, "second": 16}
